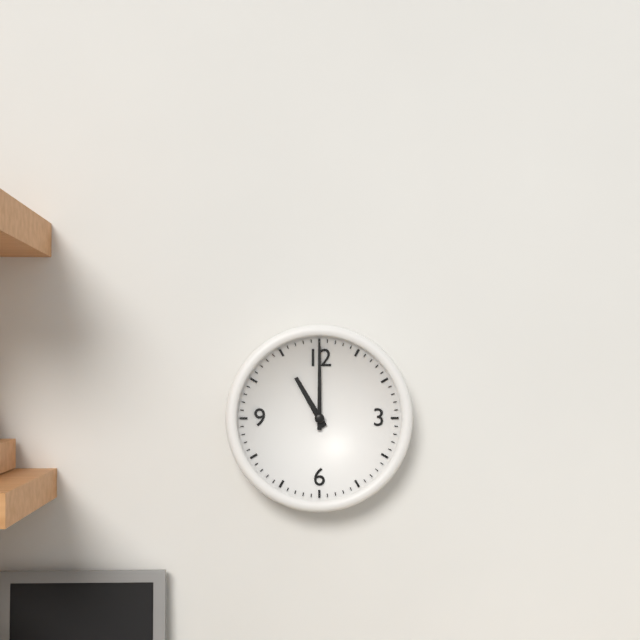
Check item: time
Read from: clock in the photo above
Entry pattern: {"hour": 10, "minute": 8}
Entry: {"hour": 11, "minute": 0}
